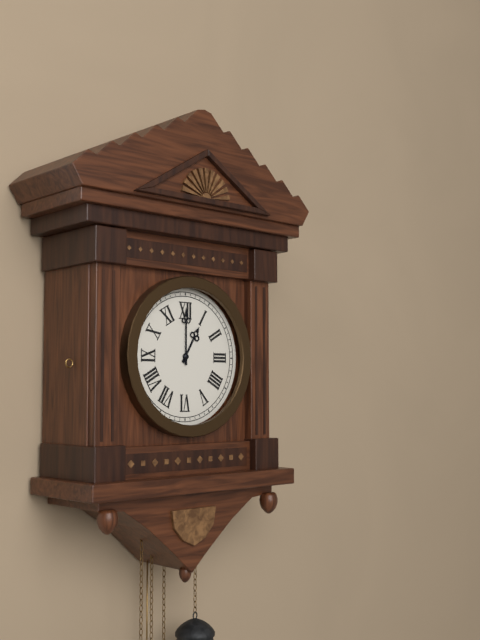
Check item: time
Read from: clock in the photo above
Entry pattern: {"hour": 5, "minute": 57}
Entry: {"hour": 1, "minute": 0}
